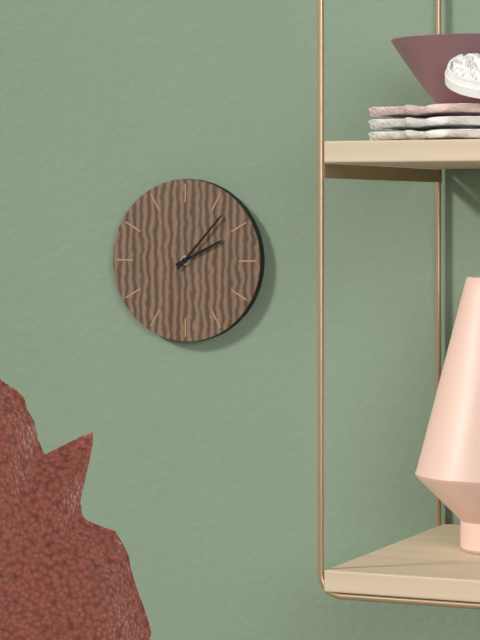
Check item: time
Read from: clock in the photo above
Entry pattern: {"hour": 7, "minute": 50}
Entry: {"hour": 2, "minute": 7}
